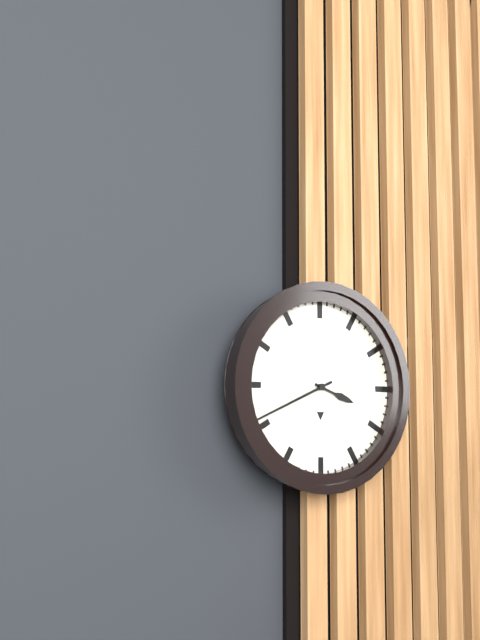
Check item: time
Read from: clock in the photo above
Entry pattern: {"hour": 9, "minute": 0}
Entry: {"hour": 3, "minute": 41}
